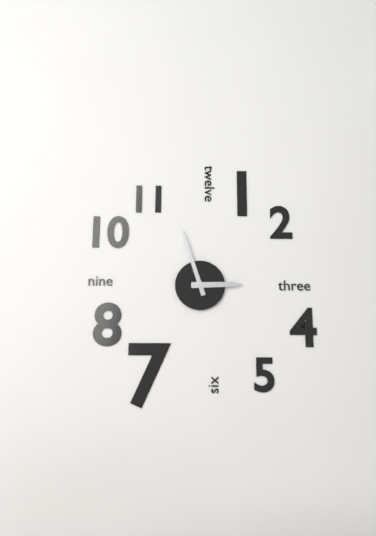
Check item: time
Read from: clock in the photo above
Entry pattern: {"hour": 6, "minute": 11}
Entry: {"hour": 2, "minute": 57}
